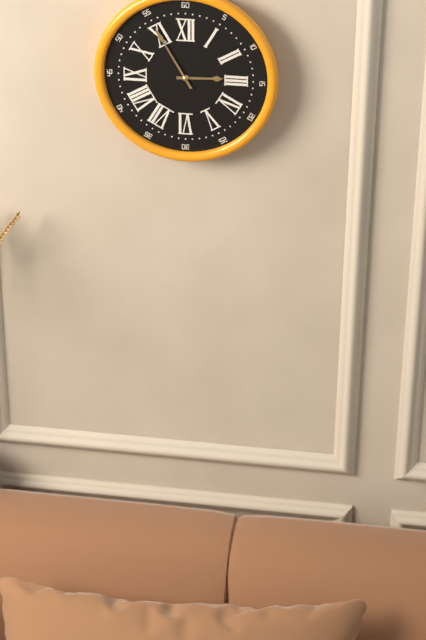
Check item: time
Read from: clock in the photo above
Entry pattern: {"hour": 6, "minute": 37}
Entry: {"hour": 2, "minute": 55}
